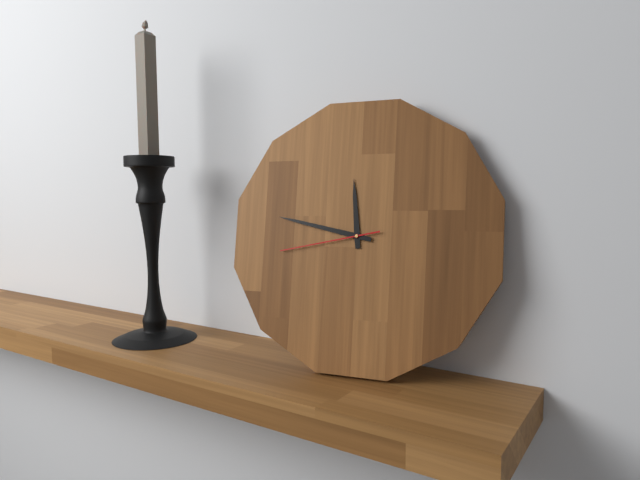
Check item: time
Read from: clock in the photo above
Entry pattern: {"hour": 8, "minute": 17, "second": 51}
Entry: {"hour": 11, "minute": 47, "second": 43}
